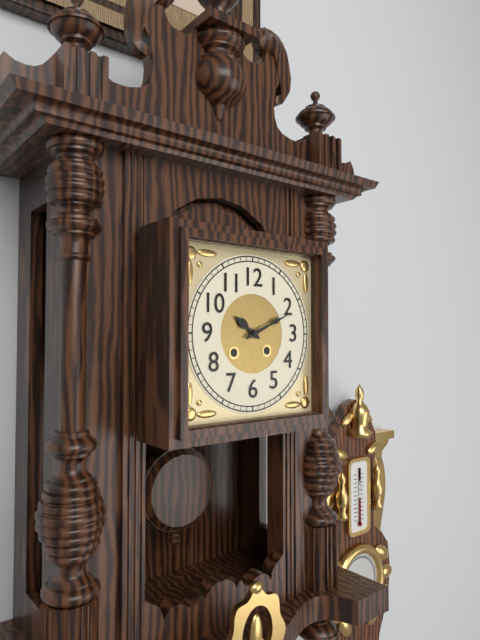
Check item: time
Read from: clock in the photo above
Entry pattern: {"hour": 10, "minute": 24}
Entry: {"hour": 10, "minute": 11}
